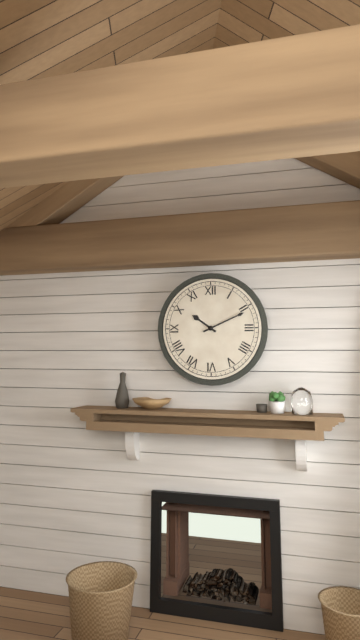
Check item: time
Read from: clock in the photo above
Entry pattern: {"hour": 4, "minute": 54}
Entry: {"hour": 10, "minute": 11}
